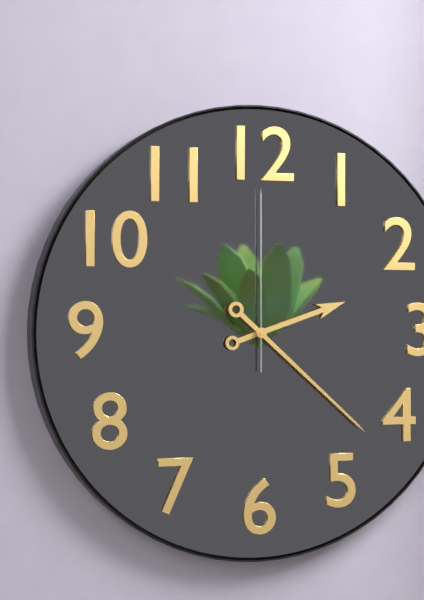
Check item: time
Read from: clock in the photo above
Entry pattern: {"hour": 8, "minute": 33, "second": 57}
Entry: {"hour": 2, "minute": 22, "second": 0}
